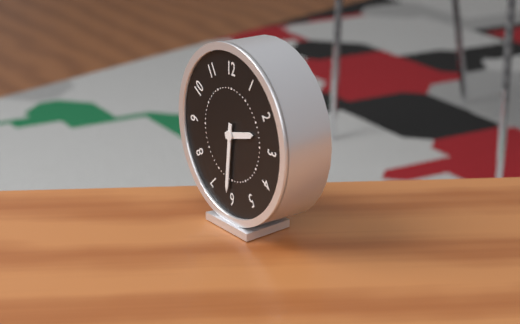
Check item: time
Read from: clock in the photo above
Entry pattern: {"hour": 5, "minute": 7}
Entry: {"hour": 2, "minute": 31}
